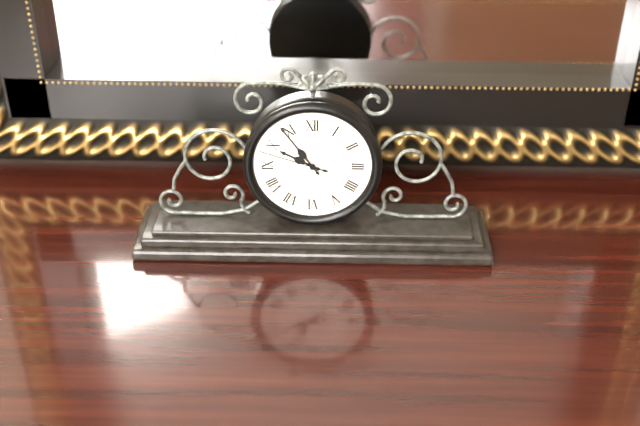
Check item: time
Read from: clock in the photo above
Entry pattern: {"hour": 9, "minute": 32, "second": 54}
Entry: {"hour": 9, "minute": 54, "second": 48}
